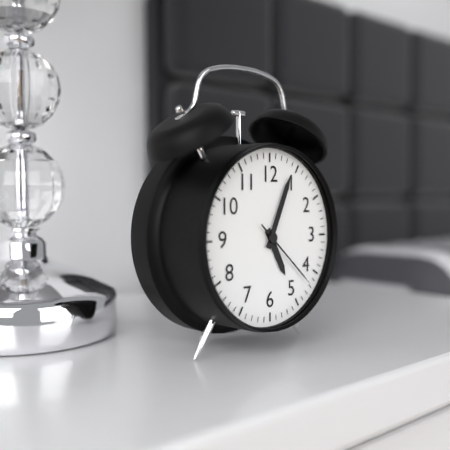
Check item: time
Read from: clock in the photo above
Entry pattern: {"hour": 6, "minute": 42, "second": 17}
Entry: {"hour": 5, "minute": 4, "second": 22}
